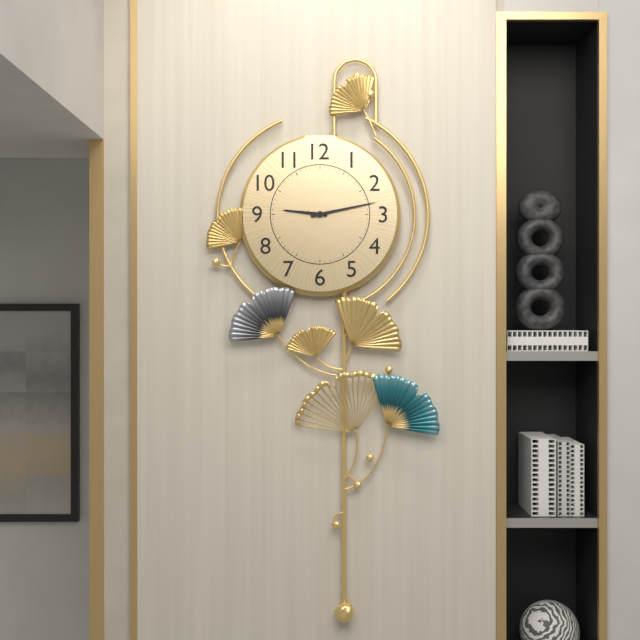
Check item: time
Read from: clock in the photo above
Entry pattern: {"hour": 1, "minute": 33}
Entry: {"hour": 9, "minute": 13}
